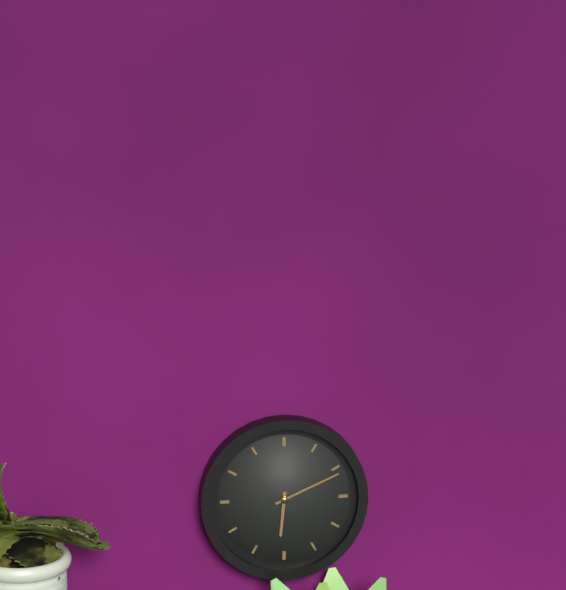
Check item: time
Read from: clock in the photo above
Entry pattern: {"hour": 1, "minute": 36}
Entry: {"hour": 6, "minute": 11}
